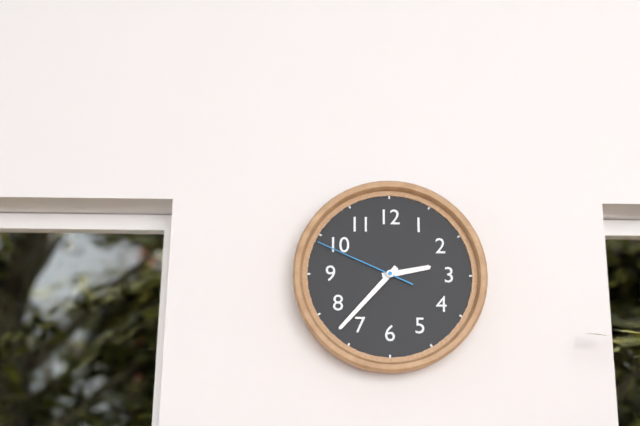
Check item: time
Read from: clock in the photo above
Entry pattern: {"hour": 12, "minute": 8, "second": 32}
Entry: {"hour": 2, "minute": 37, "second": 49}
